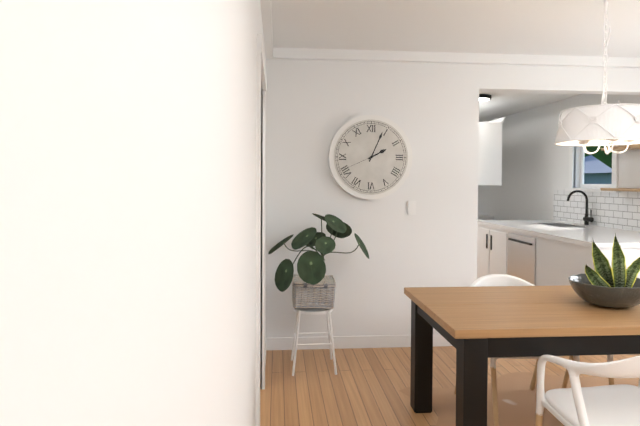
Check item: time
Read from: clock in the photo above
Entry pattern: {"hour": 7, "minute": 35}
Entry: {"hour": 2, "minute": 4}
